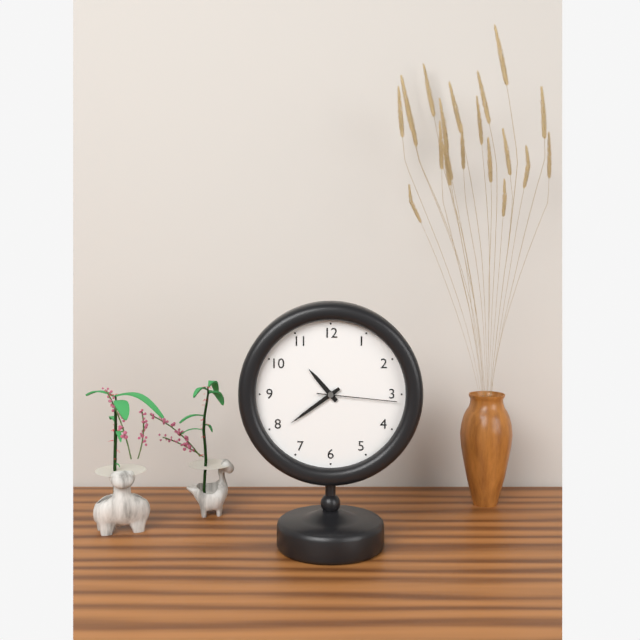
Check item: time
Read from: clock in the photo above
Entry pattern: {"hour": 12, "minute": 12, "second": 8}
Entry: {"hour": 10, "minute": 39, "second": 16}
